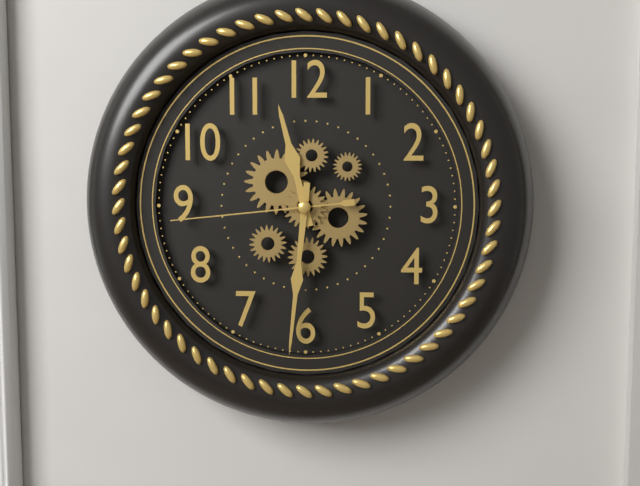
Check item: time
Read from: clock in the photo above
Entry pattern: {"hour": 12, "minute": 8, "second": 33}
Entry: {"hour": 11, "minute": 31, "second": 44}
